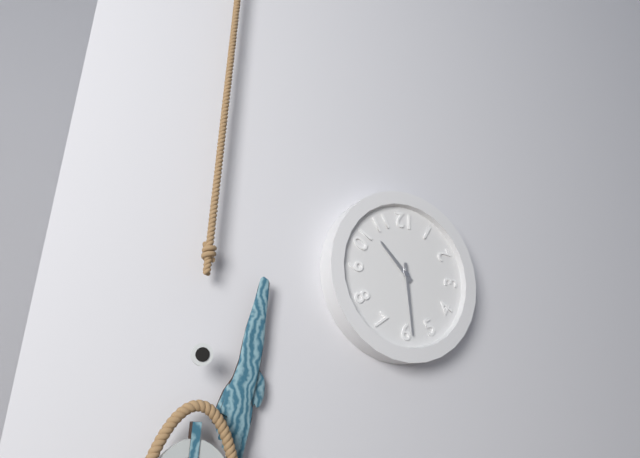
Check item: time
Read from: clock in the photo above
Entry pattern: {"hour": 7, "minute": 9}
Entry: {"hour": 10, "minute": 29}
